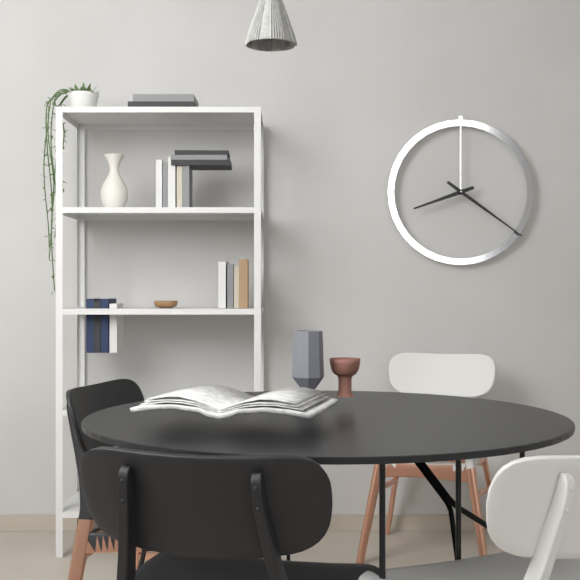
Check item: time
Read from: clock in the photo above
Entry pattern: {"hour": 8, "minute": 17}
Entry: {"hour": 8, "minute": 21}
